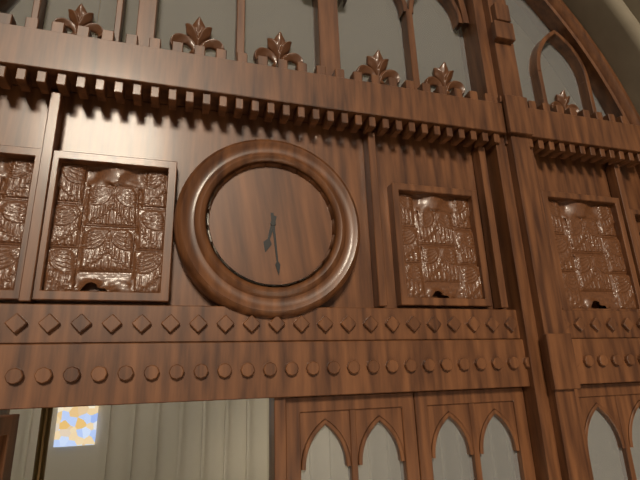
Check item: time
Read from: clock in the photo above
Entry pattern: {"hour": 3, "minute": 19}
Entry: {"hour": 6, "minute": 29}
